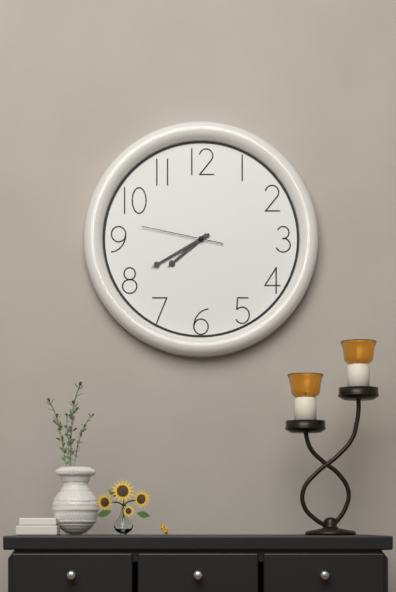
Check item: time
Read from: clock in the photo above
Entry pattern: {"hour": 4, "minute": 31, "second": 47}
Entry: {"hour": 7, "minute": 40, "second": 47}
